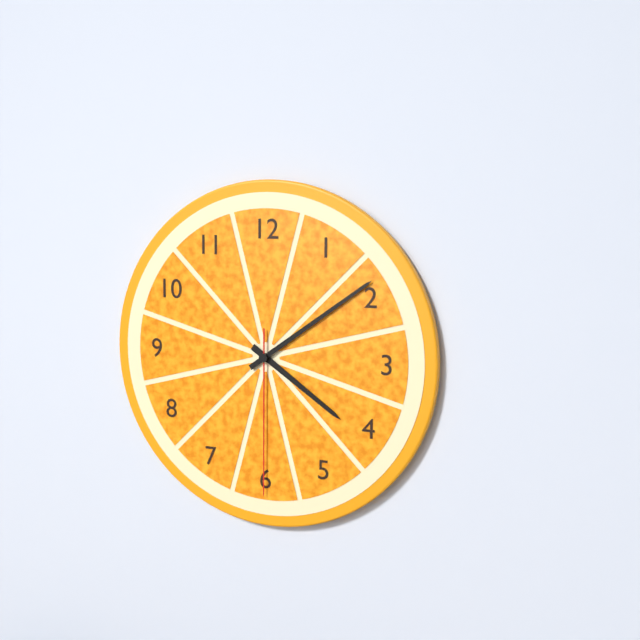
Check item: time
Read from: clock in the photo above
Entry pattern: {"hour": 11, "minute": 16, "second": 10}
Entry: {"hour": 4, "minute": 9, "second": 30}
